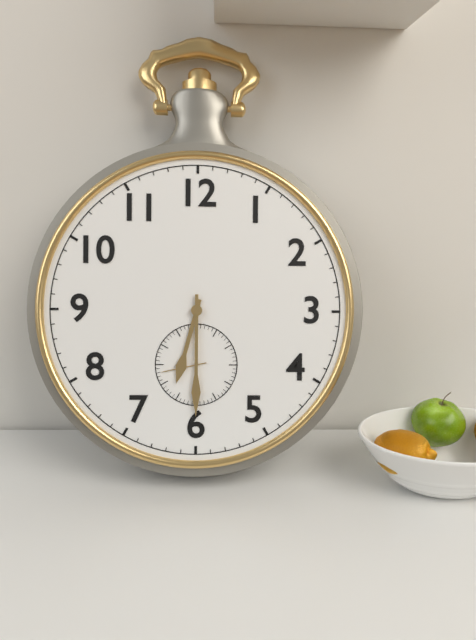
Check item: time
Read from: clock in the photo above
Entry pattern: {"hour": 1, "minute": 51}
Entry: {"hour": 6, "minute": 30}
